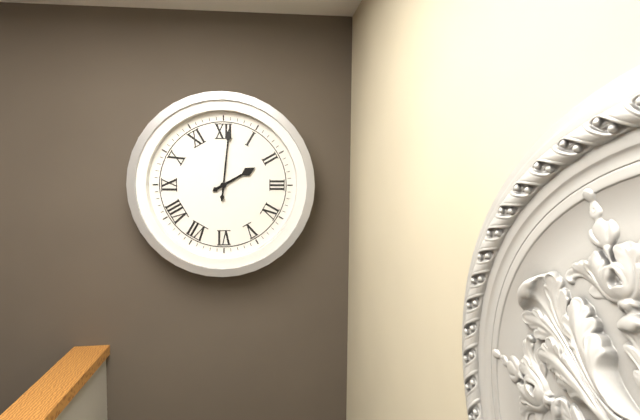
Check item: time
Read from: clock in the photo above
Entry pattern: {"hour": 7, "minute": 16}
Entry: {"hour": 2, "minute": 1}
